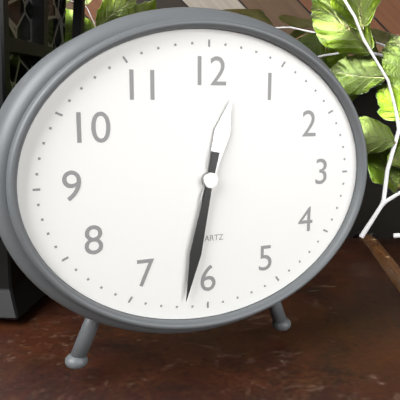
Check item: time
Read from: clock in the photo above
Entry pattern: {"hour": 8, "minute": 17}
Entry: {"hour": 12, "minute": 32}
